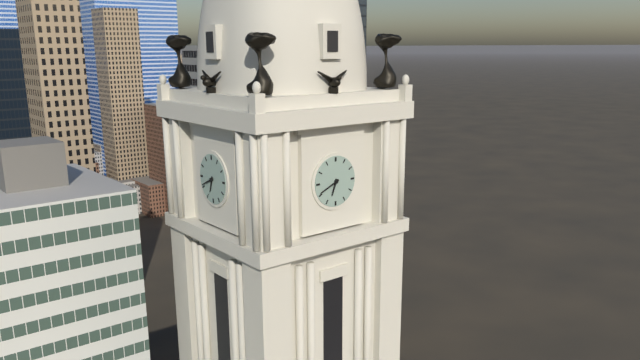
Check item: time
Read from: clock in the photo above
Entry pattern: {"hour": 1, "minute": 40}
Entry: {"hour": 6, "minute": 41}
